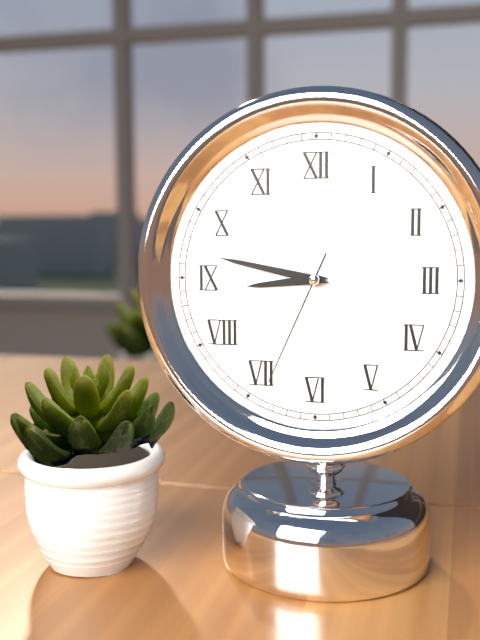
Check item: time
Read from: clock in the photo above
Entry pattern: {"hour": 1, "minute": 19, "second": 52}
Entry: {"hour": 8, "minute": 47, "second": 34}
